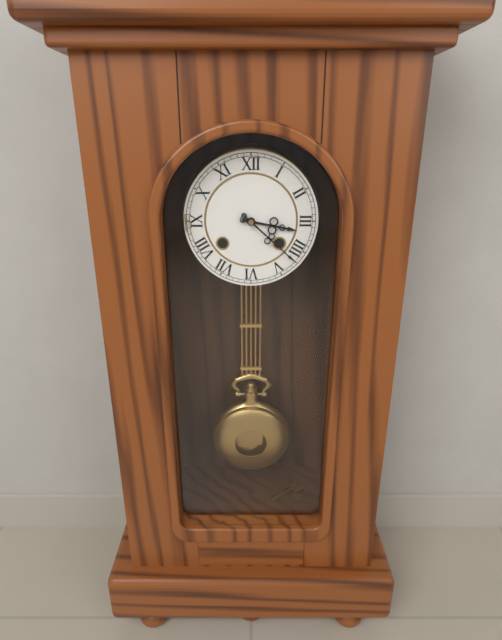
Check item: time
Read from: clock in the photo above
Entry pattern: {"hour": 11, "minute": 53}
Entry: {"hour": 3, "minute": 22}
